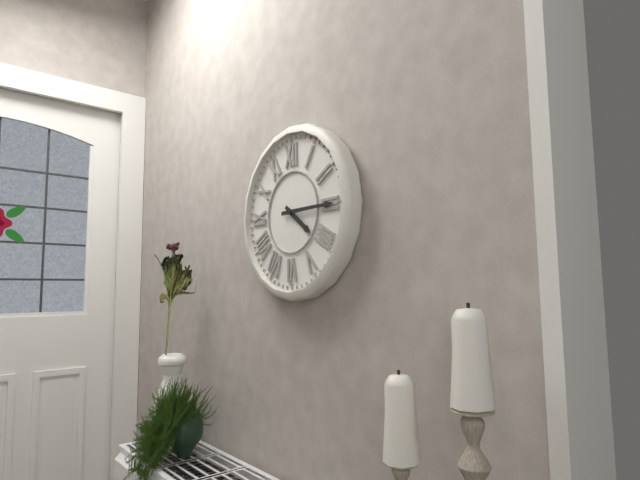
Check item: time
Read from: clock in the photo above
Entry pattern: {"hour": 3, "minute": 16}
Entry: {"hour": 4, "minute": 15}
